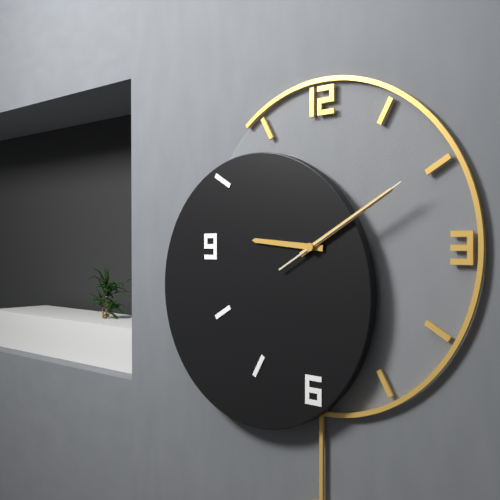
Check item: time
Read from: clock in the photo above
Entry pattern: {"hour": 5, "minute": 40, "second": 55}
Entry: {"hour": 9, "minute": 10, "second": 10}
